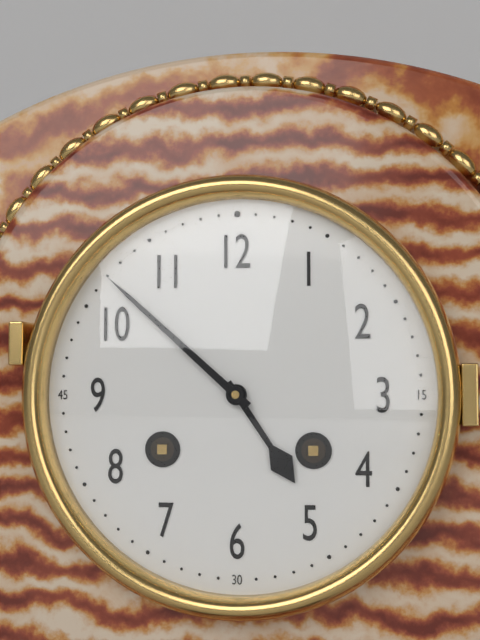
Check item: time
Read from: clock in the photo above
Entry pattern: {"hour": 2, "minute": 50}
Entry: {"hour": 4, "minute": 52}
